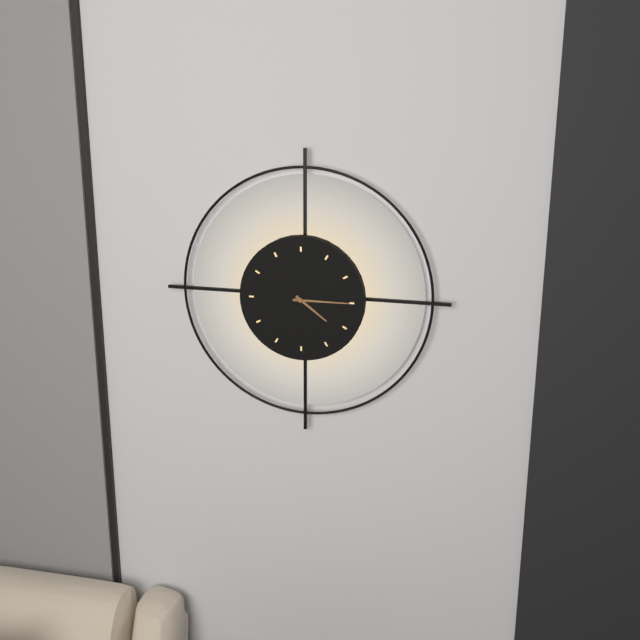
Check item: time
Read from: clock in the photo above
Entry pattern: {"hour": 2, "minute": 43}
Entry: {"hour": 4, "minute": 15}
